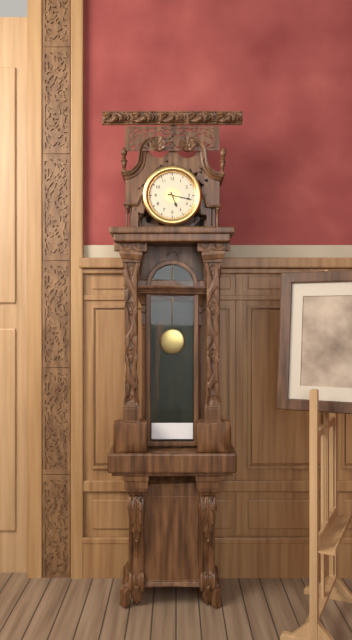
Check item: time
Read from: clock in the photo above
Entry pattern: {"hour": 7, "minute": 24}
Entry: {"hour": 5, "minute": 17}
